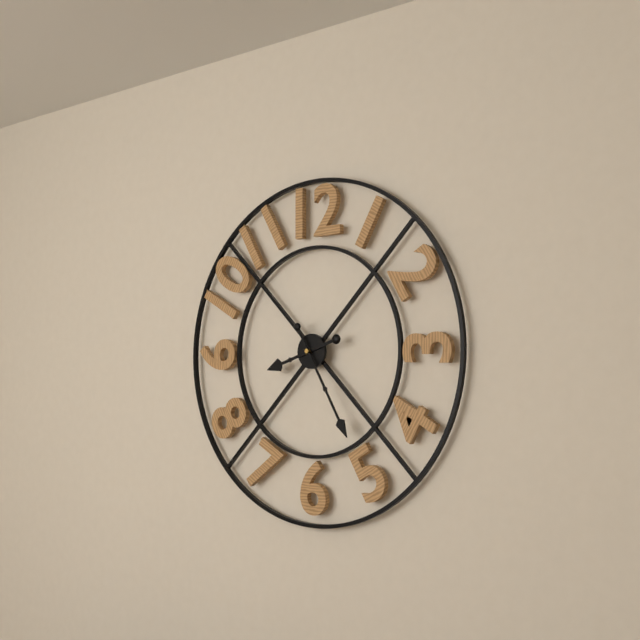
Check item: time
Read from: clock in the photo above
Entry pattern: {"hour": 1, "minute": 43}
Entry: {"hour": 8, "minute": 25}
